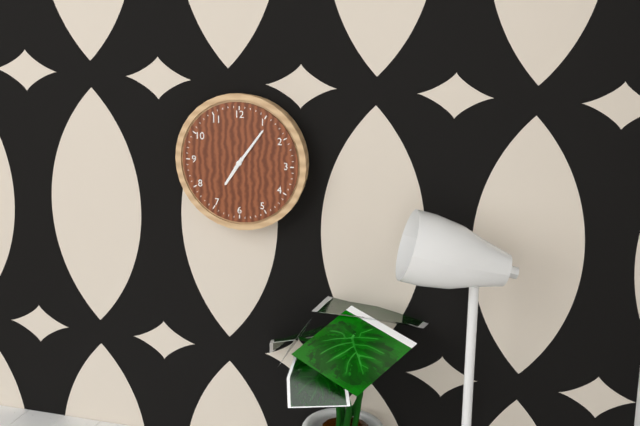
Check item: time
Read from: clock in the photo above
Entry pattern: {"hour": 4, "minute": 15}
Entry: {"hour": 7, "minute": 6}
